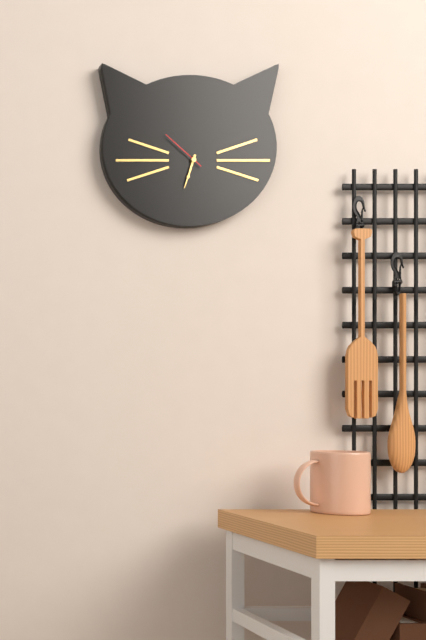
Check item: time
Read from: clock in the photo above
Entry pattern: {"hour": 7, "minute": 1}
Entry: {"hour": 6, "minute": 33}
